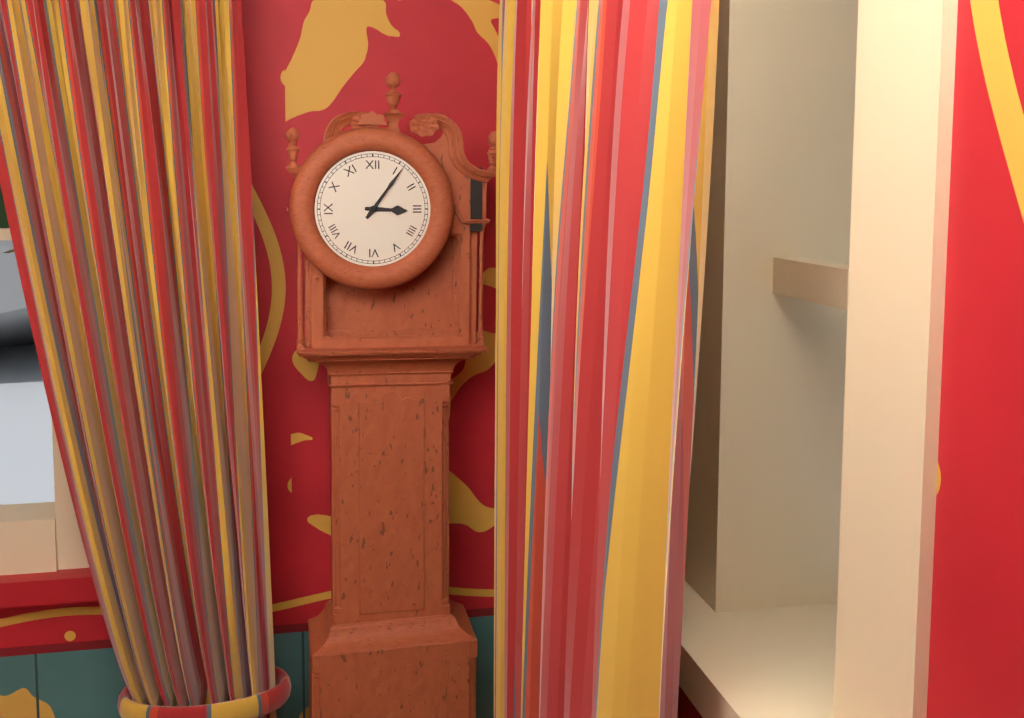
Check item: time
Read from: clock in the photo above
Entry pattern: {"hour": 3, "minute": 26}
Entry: {"hour": 3, "minute": 6}
